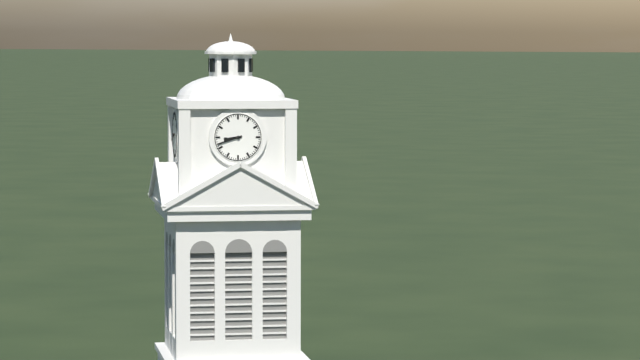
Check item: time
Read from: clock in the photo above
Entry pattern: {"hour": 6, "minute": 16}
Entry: {"hour": 8, "minute": 42}
